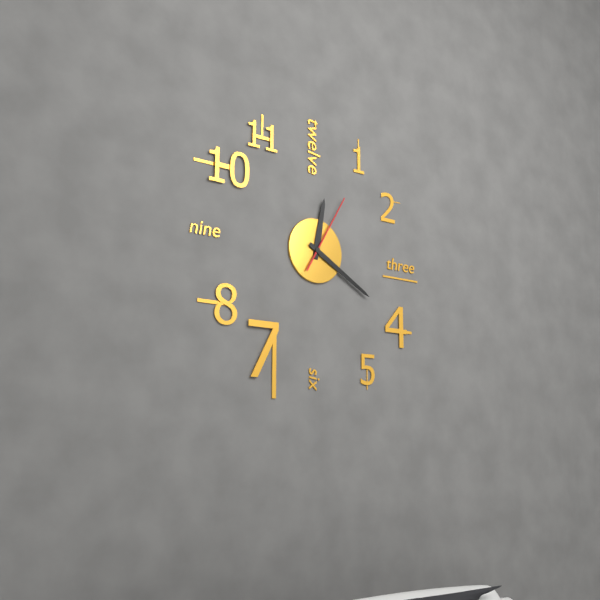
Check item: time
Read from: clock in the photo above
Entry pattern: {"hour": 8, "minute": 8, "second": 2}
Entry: {"hour": 12, "minute": 20, "second": 5}
